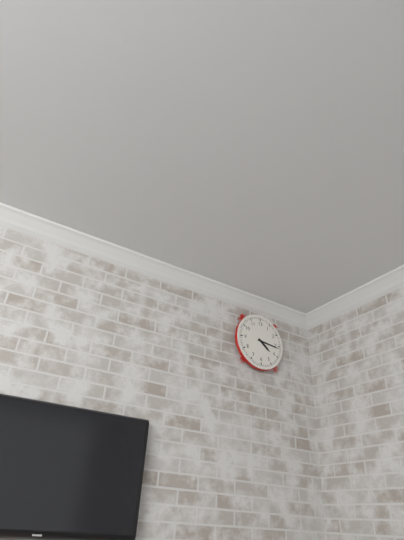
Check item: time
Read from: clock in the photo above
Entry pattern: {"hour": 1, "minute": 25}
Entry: {"hour": 4, "minute": 16}
